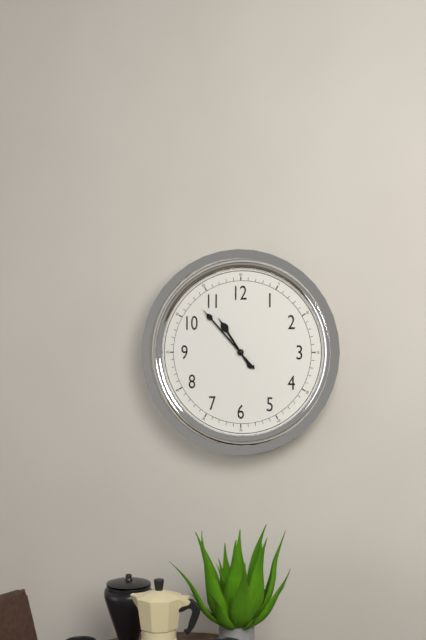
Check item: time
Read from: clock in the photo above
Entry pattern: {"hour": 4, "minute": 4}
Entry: {"hour": 10, "minute": 53}
